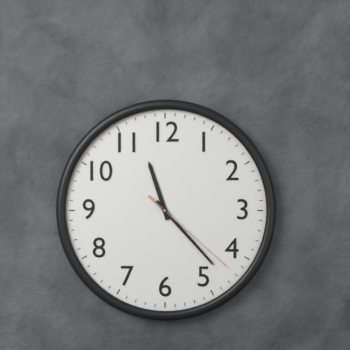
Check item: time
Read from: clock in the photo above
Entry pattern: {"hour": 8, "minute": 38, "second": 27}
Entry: {"hour": 11, "minute": 23, "second": 22}
